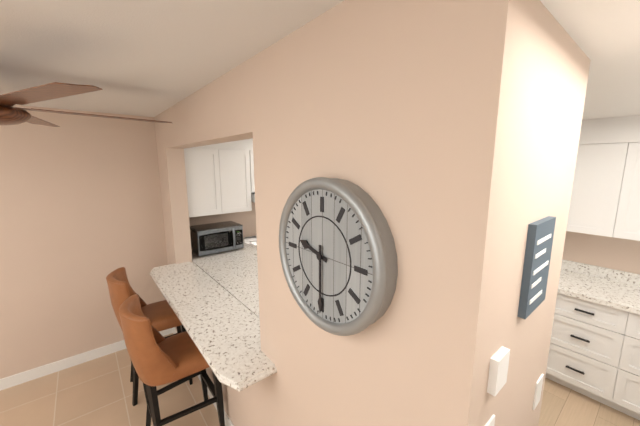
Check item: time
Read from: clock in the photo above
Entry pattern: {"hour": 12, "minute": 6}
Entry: {"hour": 9, "minute": 30}
